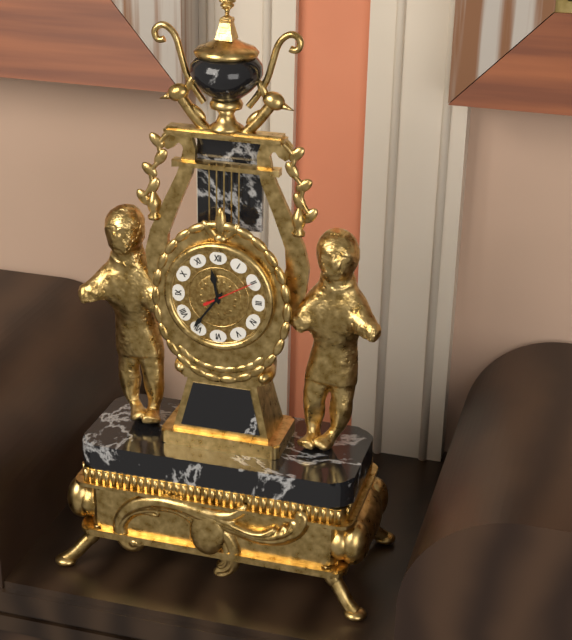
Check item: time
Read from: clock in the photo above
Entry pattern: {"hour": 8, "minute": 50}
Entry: {"hour": 11, "minute": 36}
